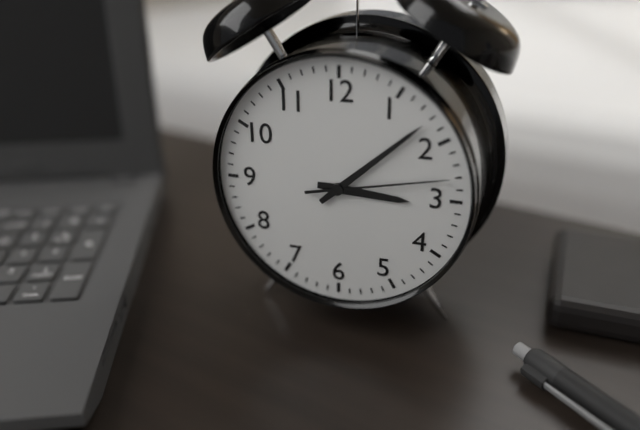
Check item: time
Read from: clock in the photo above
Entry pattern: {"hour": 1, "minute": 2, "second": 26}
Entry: {"hour": 3, "minute": 8, "second": 13}
